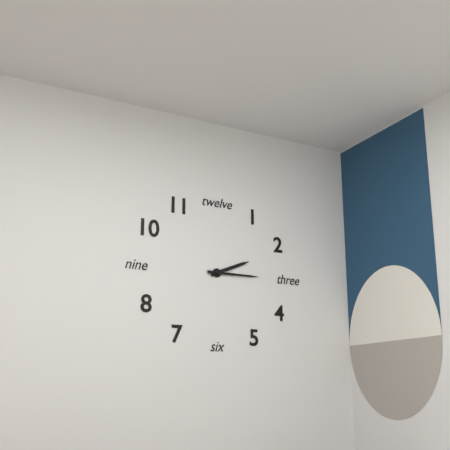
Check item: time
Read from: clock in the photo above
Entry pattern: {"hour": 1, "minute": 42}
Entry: {"hour": 2, "minute": 15}
